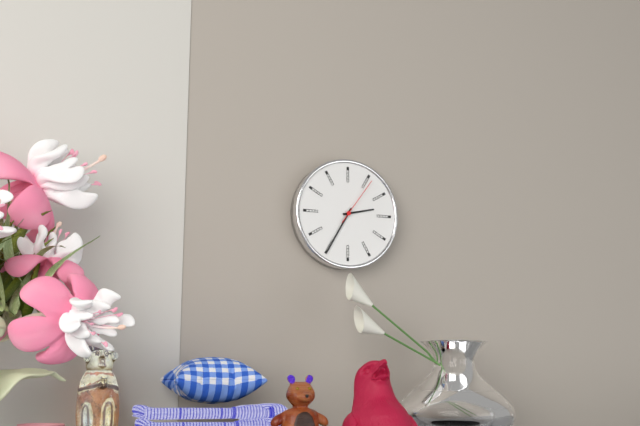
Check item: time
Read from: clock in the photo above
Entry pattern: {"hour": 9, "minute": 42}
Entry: {"hour": 2, "minute": 35}
